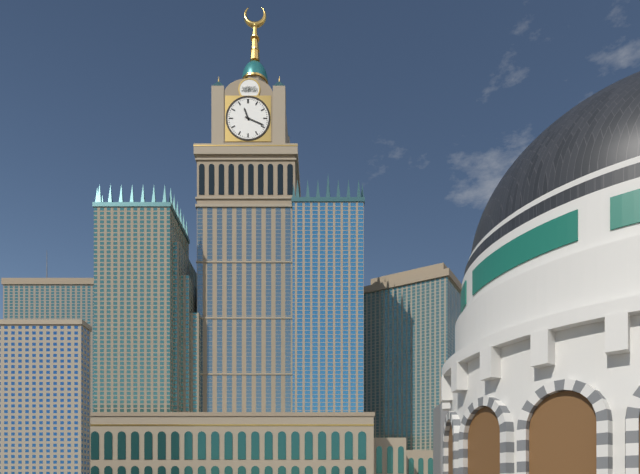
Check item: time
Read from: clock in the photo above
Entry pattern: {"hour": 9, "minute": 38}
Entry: {"hour": 11, "minute": 19}
